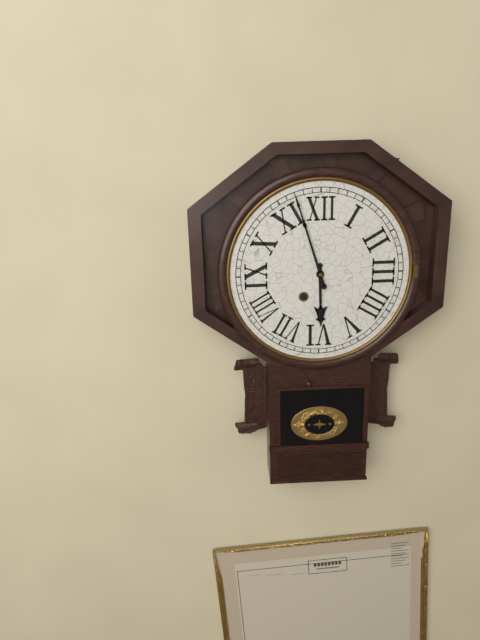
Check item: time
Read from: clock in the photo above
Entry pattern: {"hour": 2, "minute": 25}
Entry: {"hour": 5, "minute": 57}
